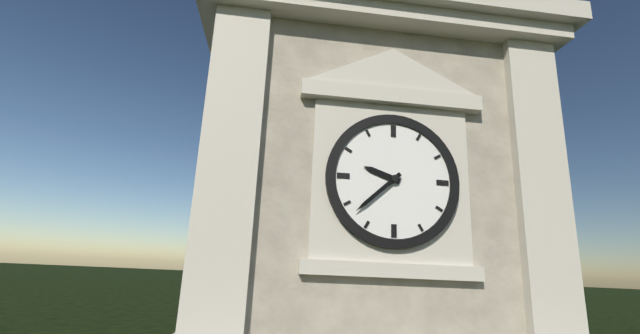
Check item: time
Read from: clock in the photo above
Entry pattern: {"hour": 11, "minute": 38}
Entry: {"hour": 9, "minute": 38}
